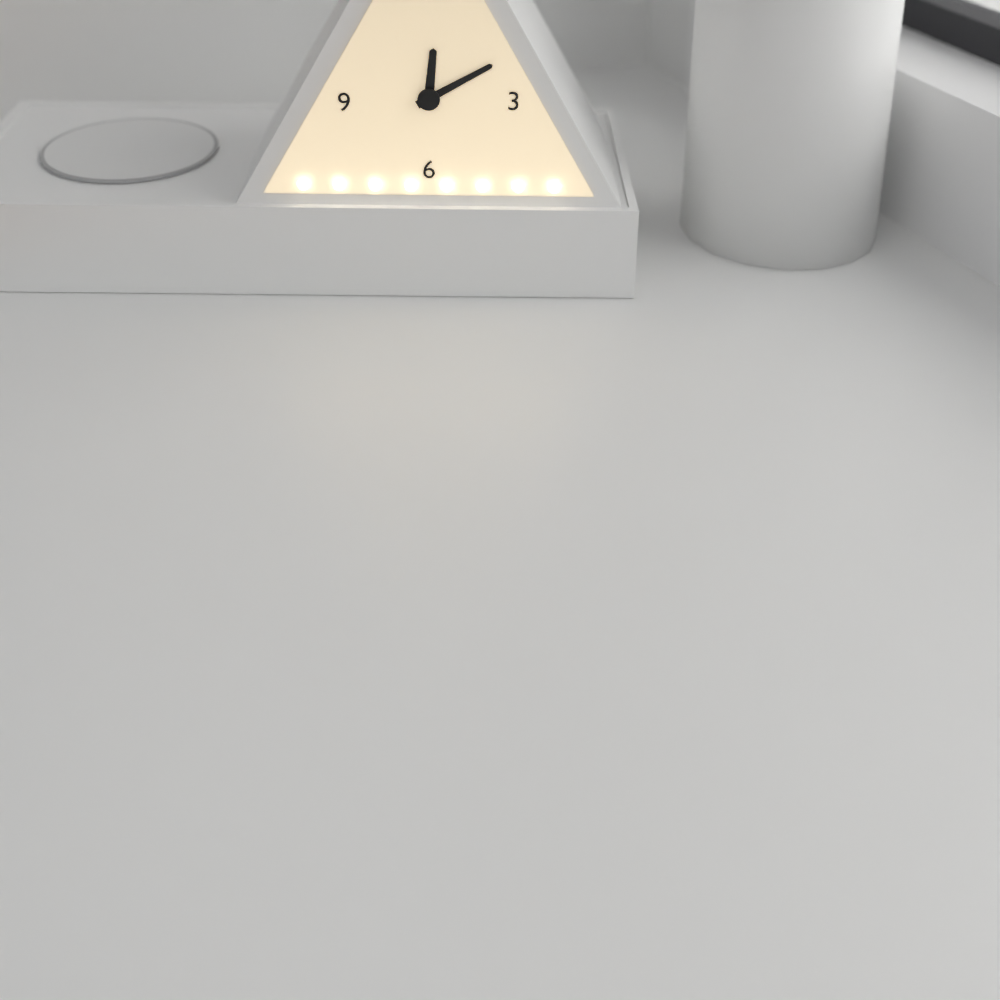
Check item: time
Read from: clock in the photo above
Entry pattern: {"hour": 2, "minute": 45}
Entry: {"hour": 12, "minute": 10}
